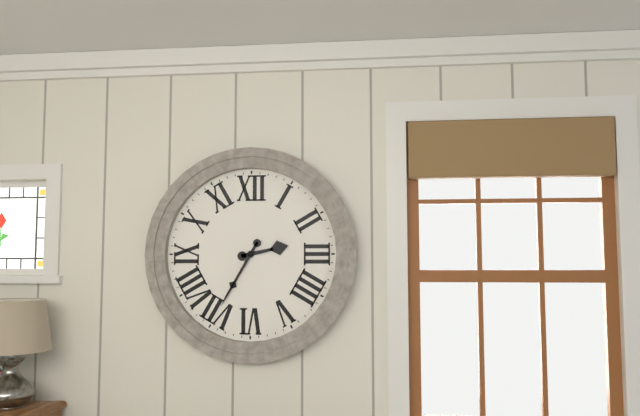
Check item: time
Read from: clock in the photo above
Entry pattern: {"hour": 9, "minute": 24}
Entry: {"hour": 2, "minute": 35}
